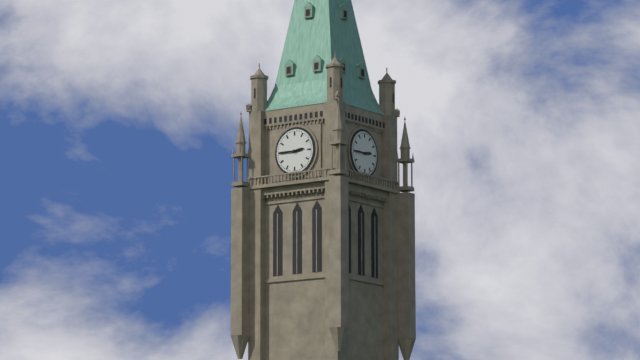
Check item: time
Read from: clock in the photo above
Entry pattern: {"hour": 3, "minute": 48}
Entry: {"hour": 2, "minute": 45}
